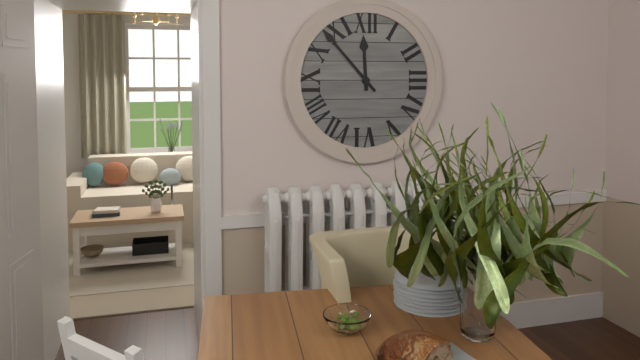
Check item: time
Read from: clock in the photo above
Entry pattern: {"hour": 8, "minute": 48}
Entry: {"hour": 11, "minute": 53}
